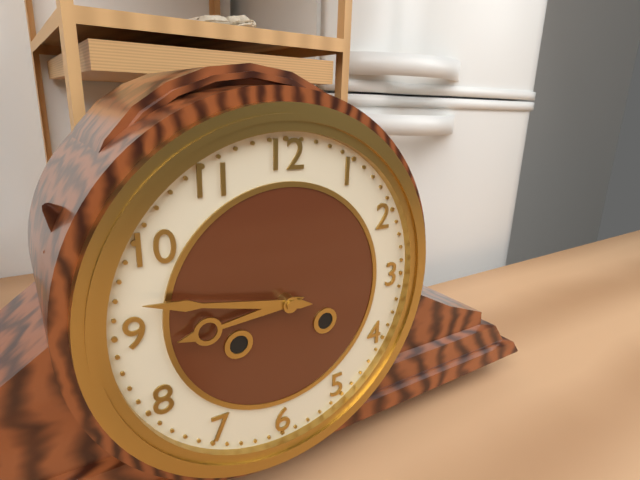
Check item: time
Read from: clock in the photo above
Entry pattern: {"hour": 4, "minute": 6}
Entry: {"hour": 8, "minute": 47}
